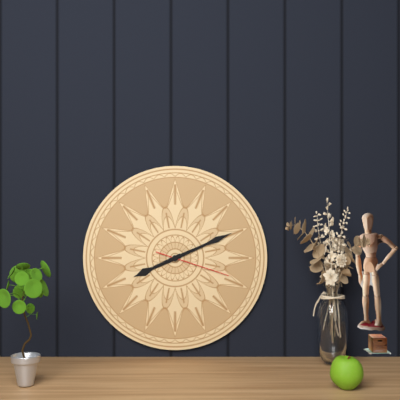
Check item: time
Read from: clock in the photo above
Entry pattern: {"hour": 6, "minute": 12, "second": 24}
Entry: {"hour": 8, "minute": 11, "second": 18}
